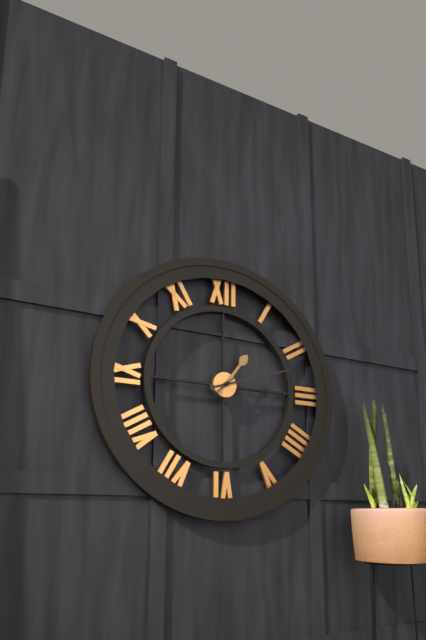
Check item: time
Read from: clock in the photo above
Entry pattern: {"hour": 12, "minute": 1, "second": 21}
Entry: {"hour": 1, "minute": 12, "second": 8}
